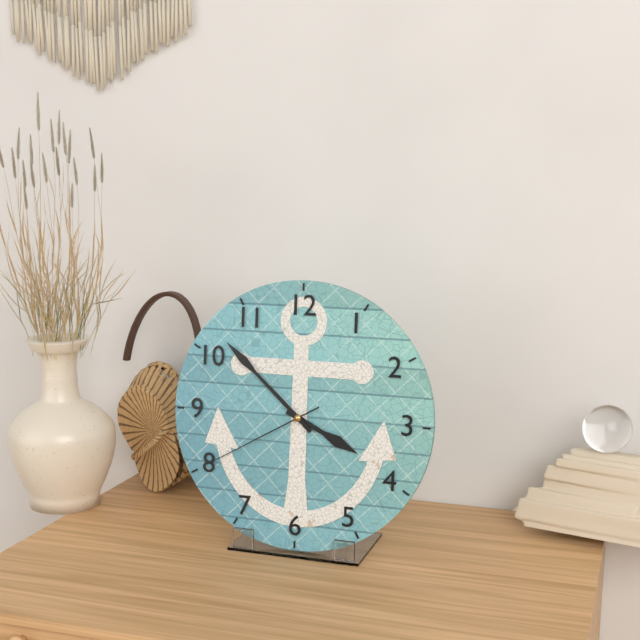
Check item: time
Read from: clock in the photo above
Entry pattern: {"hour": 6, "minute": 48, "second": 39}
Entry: {"hour": 3, "minute": 52, "second": 40}
